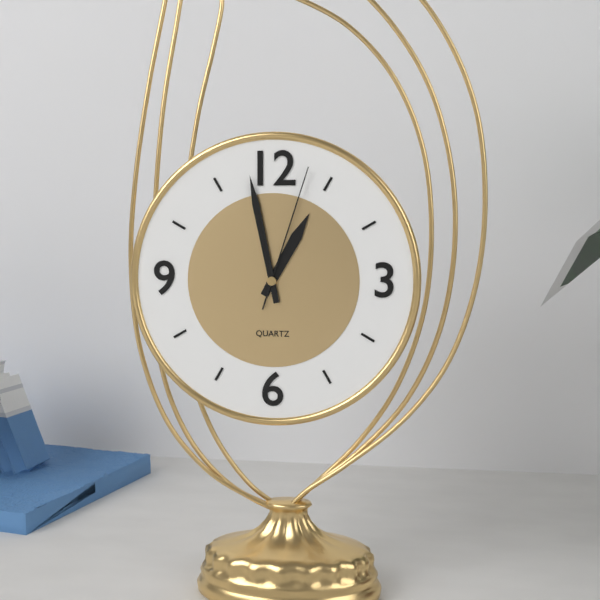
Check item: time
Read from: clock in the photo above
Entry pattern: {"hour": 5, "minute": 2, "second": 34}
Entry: {"hour": 12, "minute": 58, "second": 3}
